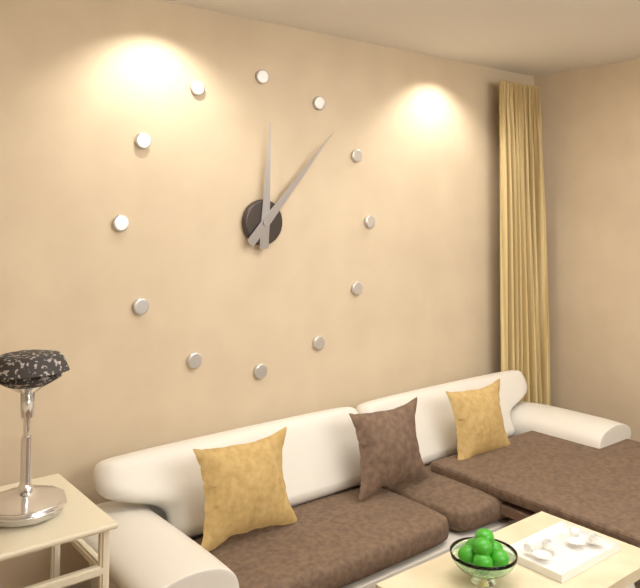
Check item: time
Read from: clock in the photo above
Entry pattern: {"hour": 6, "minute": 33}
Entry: {"hour": 12, "minute": 7}
